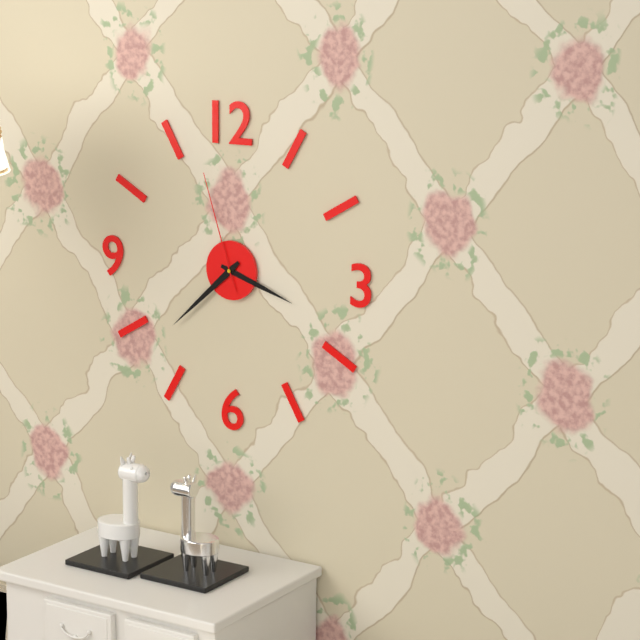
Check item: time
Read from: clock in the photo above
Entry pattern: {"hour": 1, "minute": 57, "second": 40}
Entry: {"hour": 3, "minute": 38, "second": 57}
